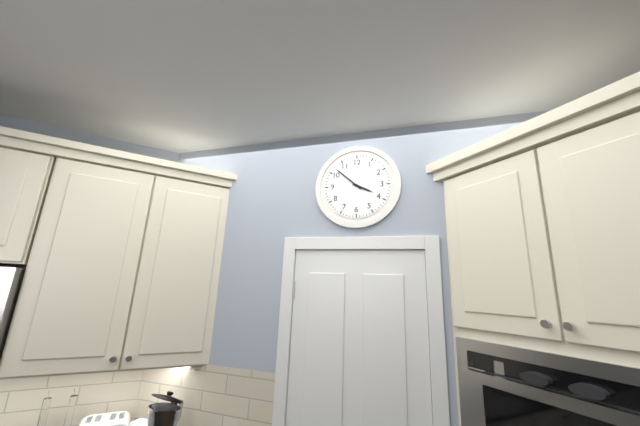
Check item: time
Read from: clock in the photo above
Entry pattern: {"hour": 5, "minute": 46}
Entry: {"hour": 3, "minute": 52}
